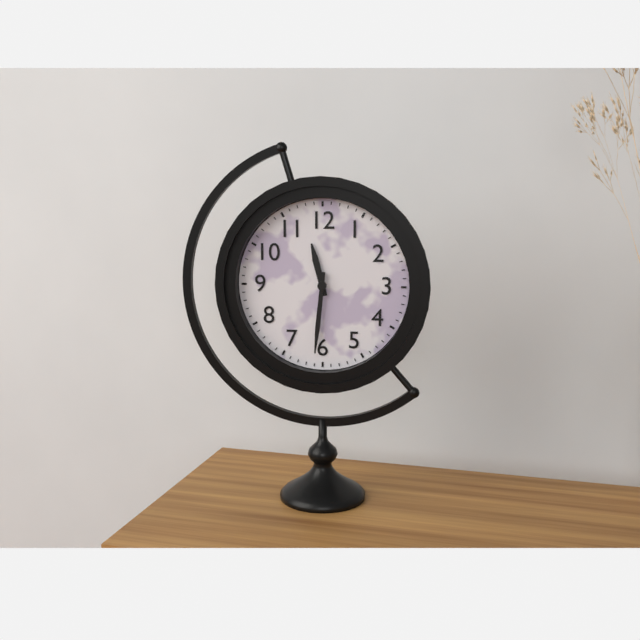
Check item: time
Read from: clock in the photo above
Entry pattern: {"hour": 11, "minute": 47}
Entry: {"hour": 11, "minute": 31}
